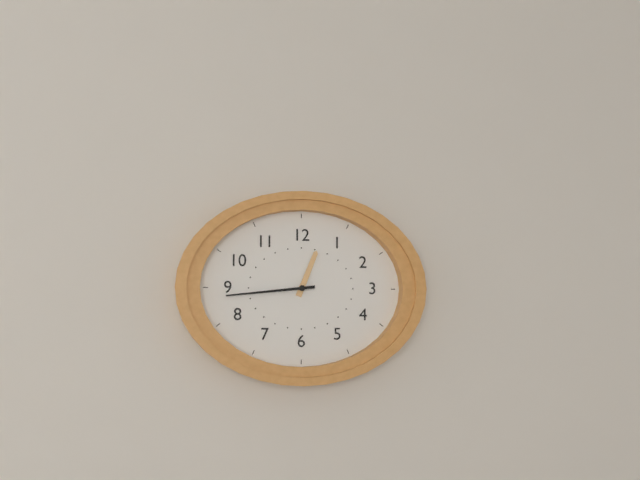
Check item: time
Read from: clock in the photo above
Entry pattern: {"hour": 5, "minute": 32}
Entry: {"hour": 12, "minute": 44}
